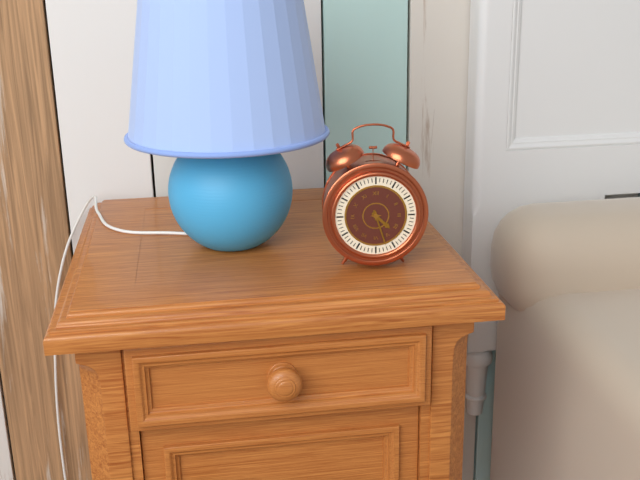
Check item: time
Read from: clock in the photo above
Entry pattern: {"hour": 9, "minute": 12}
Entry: {"hour": 4, "minute": 27}
